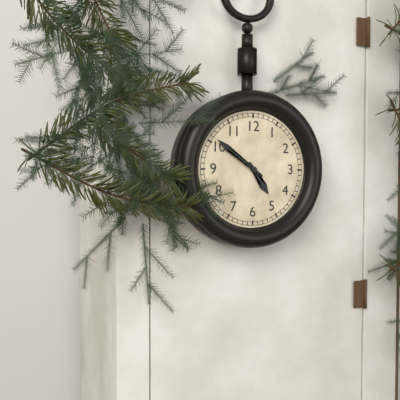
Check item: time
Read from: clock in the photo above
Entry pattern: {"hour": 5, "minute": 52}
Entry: {"hour": 4, "minute": 51}
